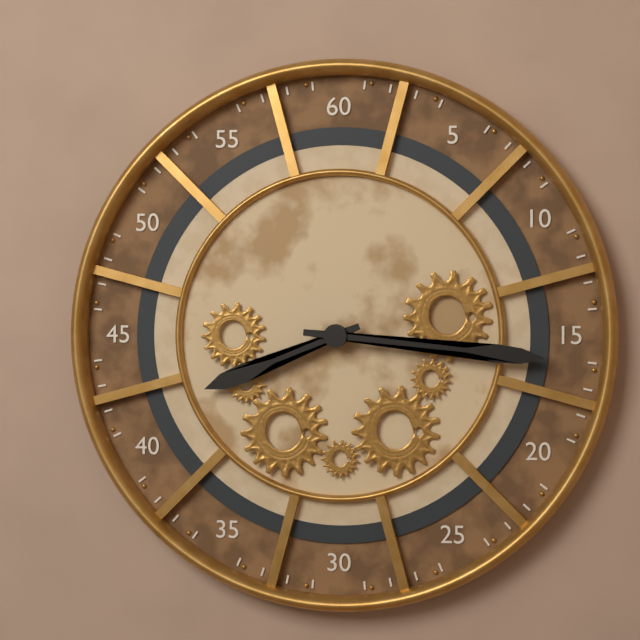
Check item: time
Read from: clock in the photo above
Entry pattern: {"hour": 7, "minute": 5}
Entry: {"hour": 8, "minute": 16}
